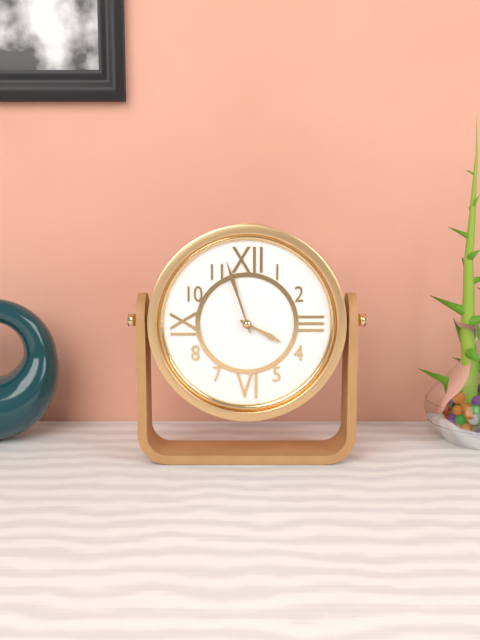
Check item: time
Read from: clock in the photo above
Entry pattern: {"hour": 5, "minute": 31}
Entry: {"hour": 3, "minute": 57}
